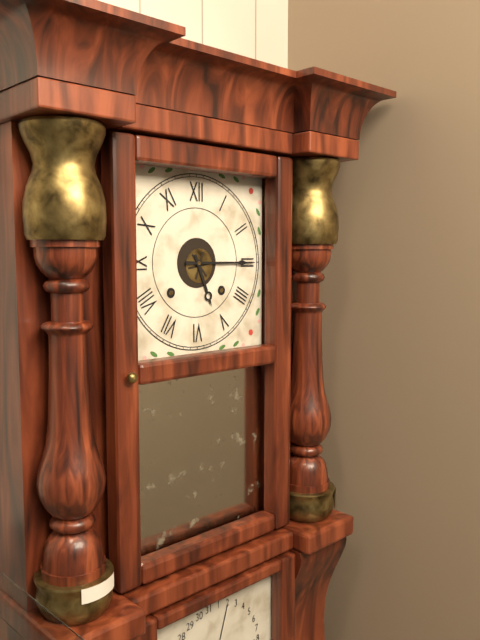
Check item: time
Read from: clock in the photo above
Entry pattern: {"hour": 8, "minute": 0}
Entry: {"hour": 5, "minute": 15}
